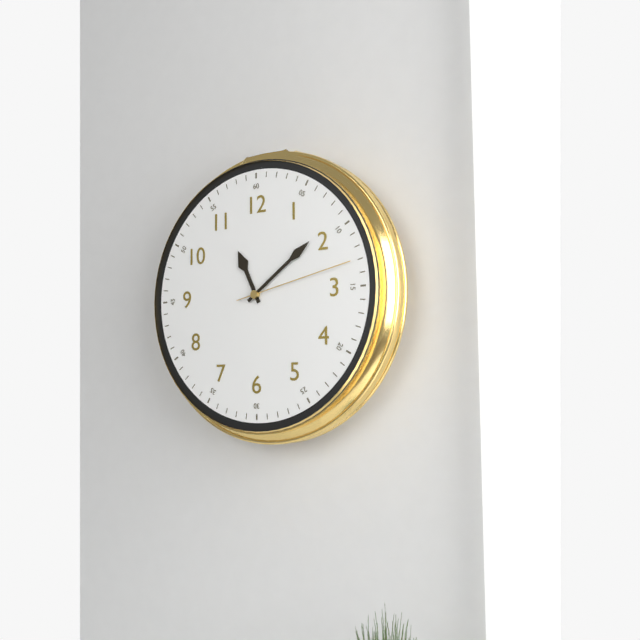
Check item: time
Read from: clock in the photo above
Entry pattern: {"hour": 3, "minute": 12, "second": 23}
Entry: {"hour": 11, "minute": 9, "second": 13}
